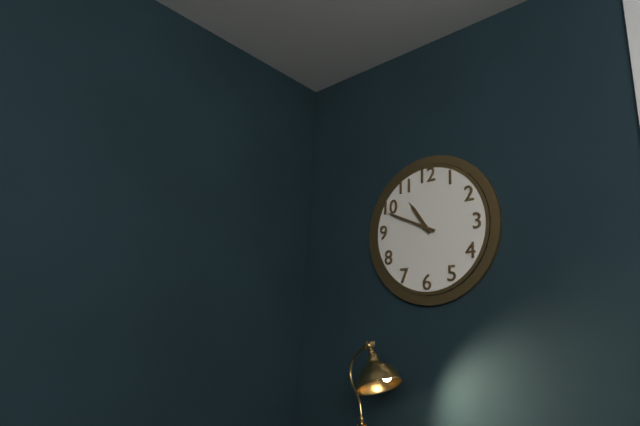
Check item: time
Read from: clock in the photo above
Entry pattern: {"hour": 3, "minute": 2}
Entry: {"hour": 10, "minute": 49}
